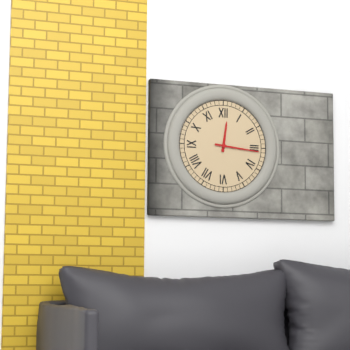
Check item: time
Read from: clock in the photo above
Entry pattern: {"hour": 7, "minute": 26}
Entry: {"hour": 12, "minute": 16}
